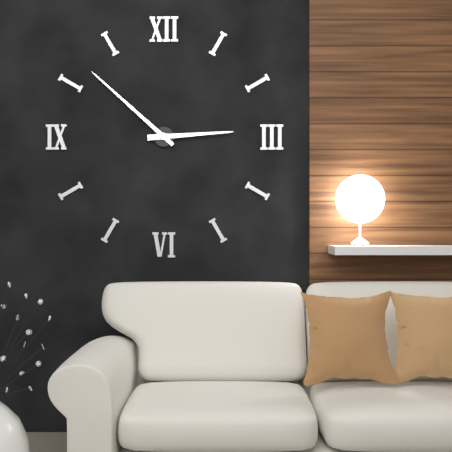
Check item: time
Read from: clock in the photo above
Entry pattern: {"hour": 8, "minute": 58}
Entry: {"hour": 2, "minute": 52}
